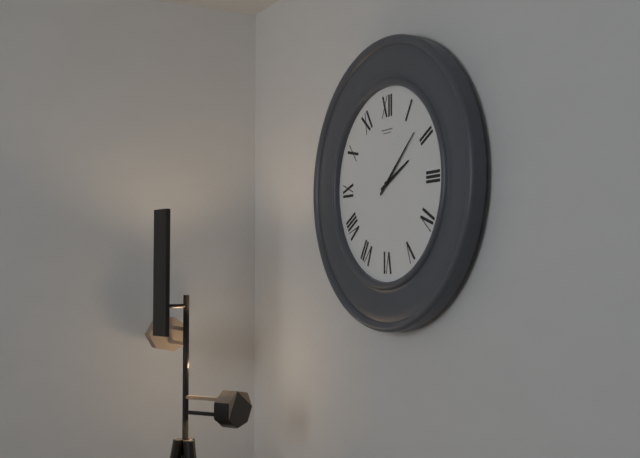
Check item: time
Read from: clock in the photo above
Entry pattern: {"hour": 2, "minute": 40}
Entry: {"hour": 2, "minute": 8}
